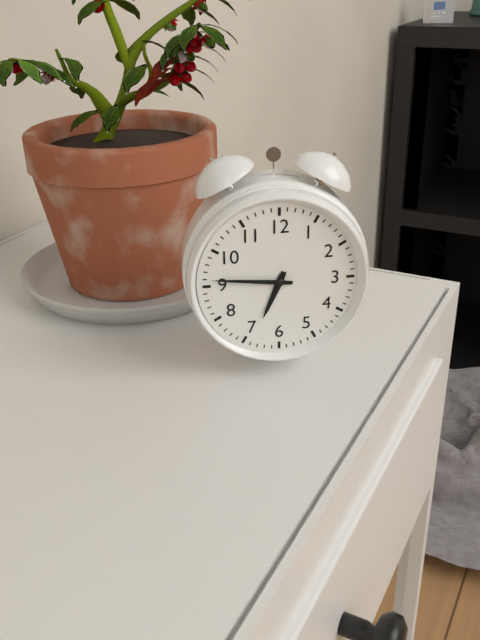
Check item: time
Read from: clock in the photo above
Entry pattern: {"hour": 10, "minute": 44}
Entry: {"hour": 6, "minute": 46}
